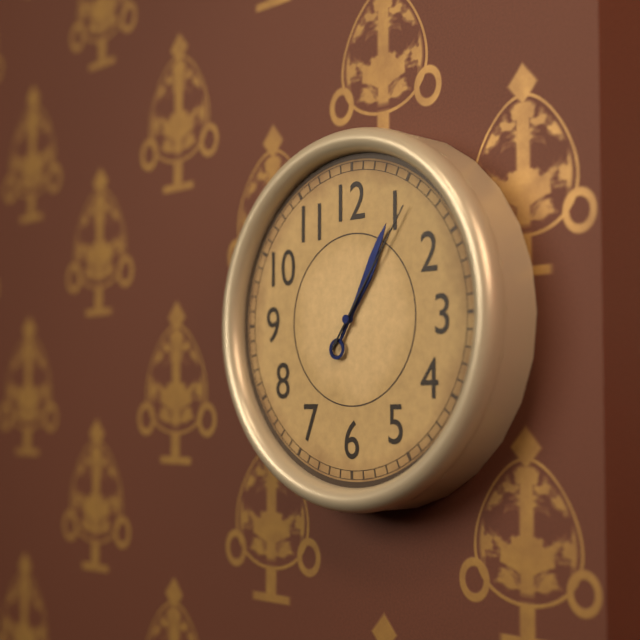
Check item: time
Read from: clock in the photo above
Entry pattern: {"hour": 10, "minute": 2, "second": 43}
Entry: {"hour": 1, "minute": 5, "second": 6}
